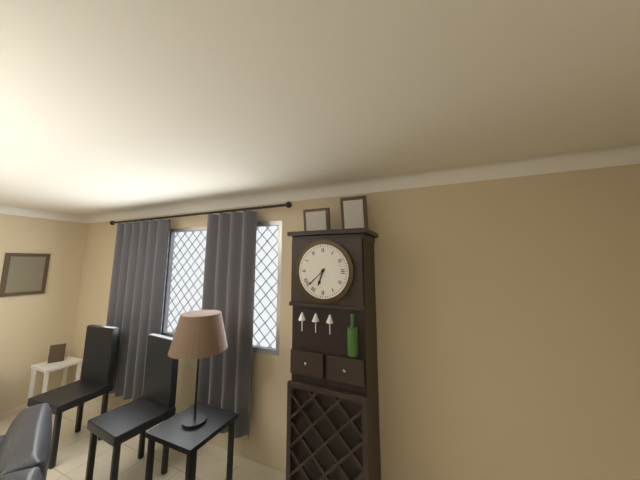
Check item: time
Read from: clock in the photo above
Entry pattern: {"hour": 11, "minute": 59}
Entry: {"hour": 6, "minute": 38}
